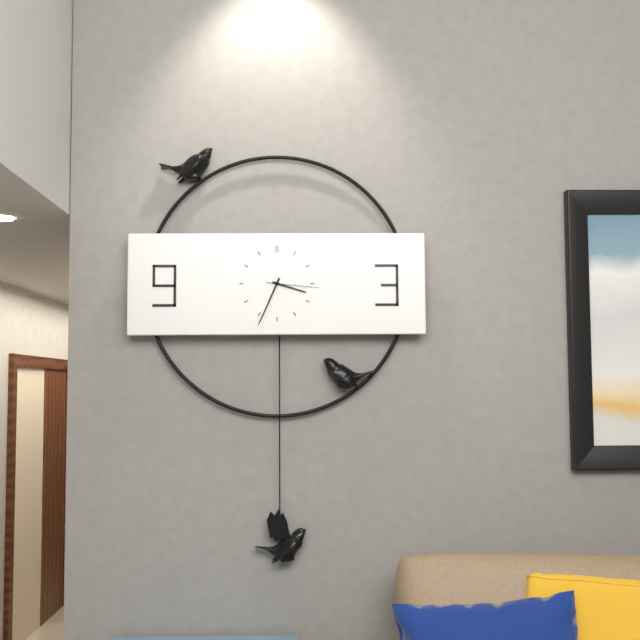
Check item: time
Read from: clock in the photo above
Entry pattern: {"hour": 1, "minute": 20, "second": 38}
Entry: {"hour": 3, "minute": 34, "second": 16}
